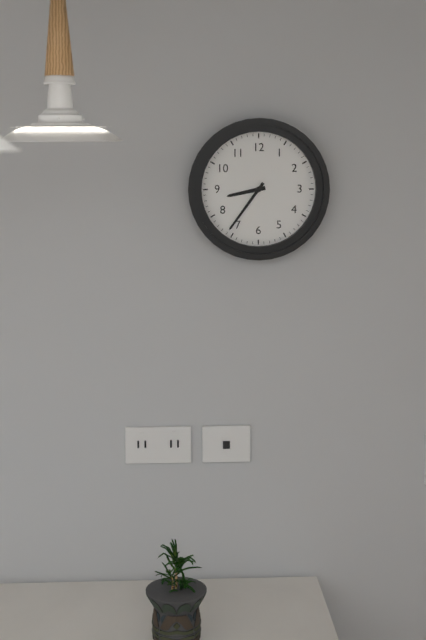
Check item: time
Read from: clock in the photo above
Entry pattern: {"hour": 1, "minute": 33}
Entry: {"hour": 8, "minute": 36}
